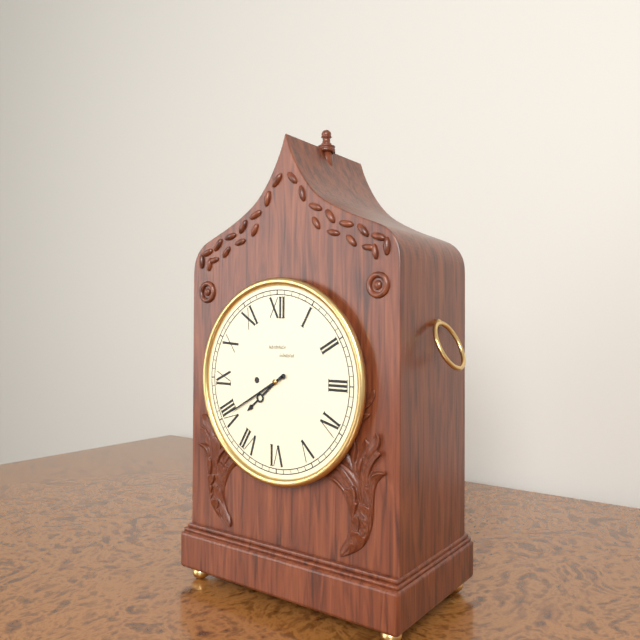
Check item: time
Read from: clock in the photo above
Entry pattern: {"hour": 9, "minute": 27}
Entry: {"hour": 7, "minute": 40}
